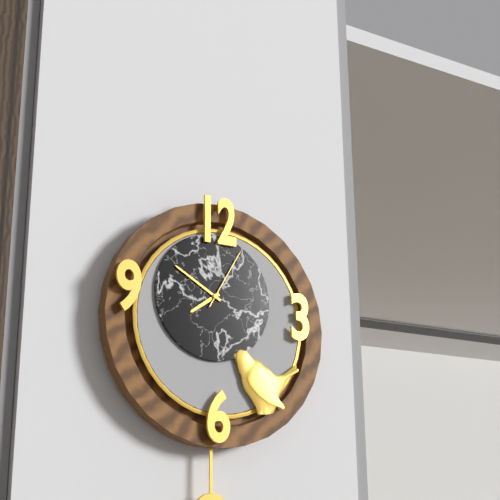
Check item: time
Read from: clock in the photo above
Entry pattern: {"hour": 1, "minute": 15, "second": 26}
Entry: {"hour": 7, "minute": 50, "second": 5}
